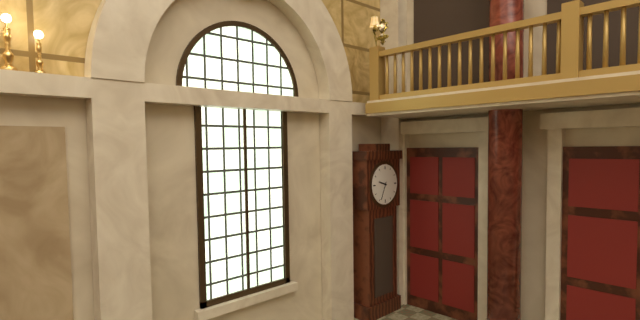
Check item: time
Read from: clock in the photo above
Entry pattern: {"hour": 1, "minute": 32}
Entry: {"hour": 9, "minute": 34}
